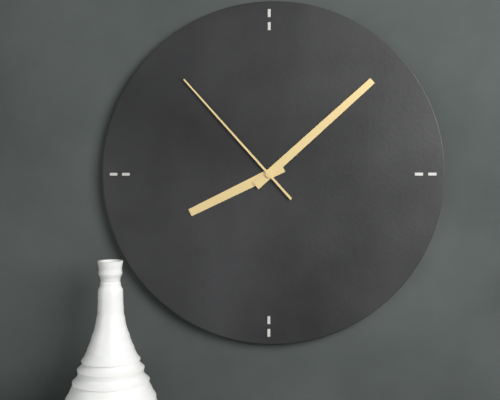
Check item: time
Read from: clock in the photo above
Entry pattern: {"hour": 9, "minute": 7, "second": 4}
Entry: {"hour": 8, "minute": 8, "second": 53}
